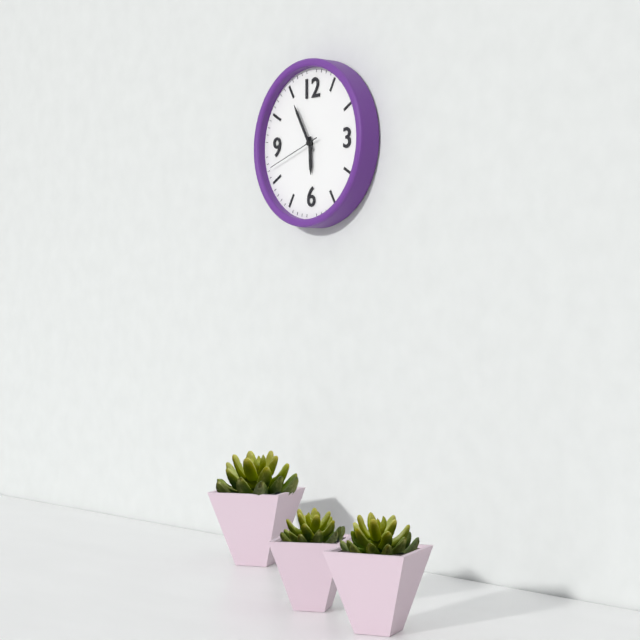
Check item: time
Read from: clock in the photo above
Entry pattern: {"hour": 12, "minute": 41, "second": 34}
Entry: {"hour": 5, "minute": 55, "second": 42}
